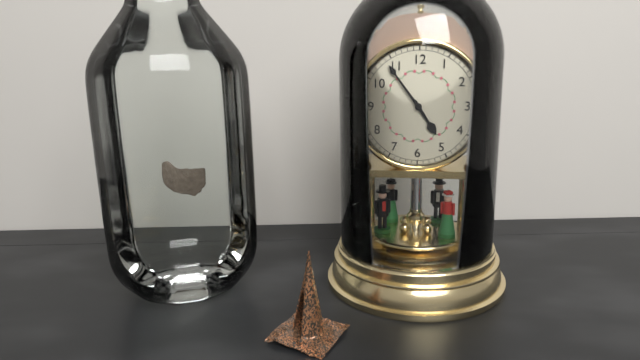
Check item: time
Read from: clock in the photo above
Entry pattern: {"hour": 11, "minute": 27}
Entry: {"hour": 4, "minute": 54}
